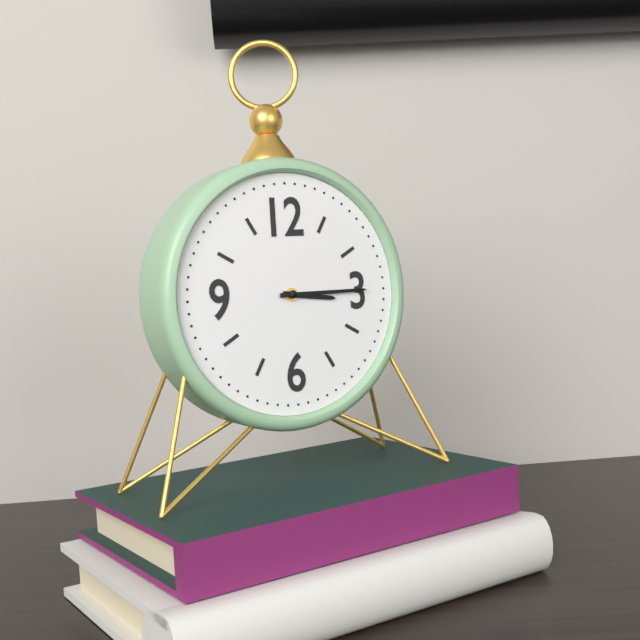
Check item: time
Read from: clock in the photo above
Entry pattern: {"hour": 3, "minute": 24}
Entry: {"hour": 3, "minute": 15}
